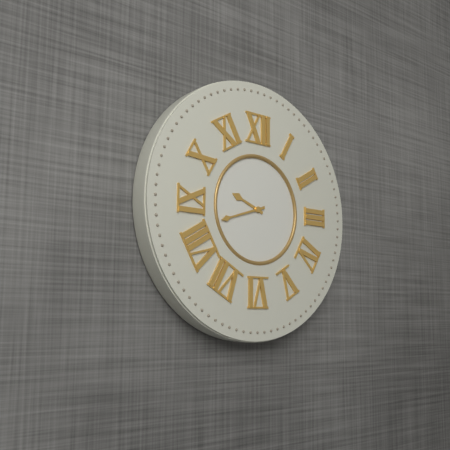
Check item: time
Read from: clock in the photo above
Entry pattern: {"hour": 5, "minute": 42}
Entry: {"hour": 9, "minute": 42}
